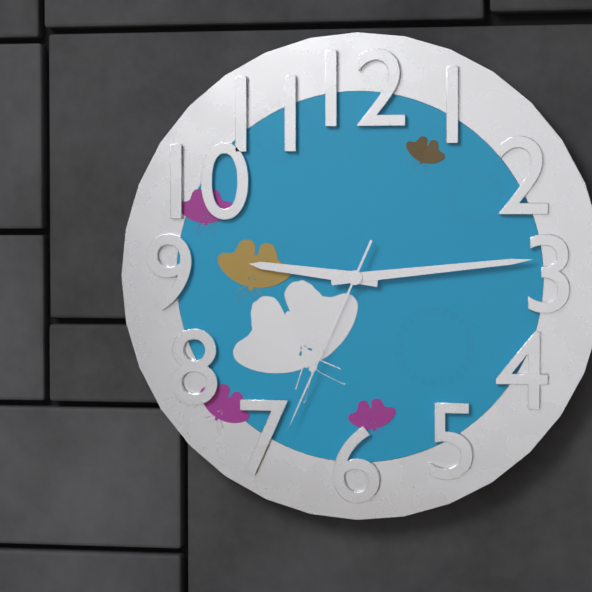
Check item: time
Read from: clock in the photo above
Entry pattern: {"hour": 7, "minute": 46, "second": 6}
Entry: {"hour": 9, "minute": 14, "second": 34}
